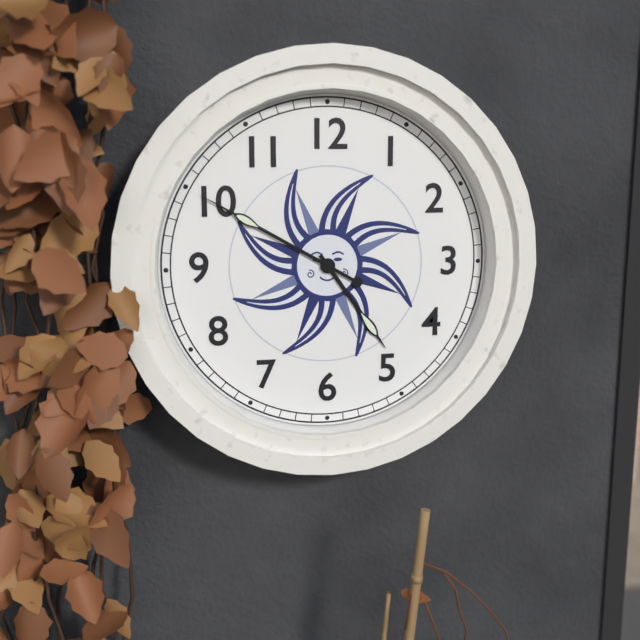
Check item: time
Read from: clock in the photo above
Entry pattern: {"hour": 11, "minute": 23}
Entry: {"hour": 4, "minute": 50}
